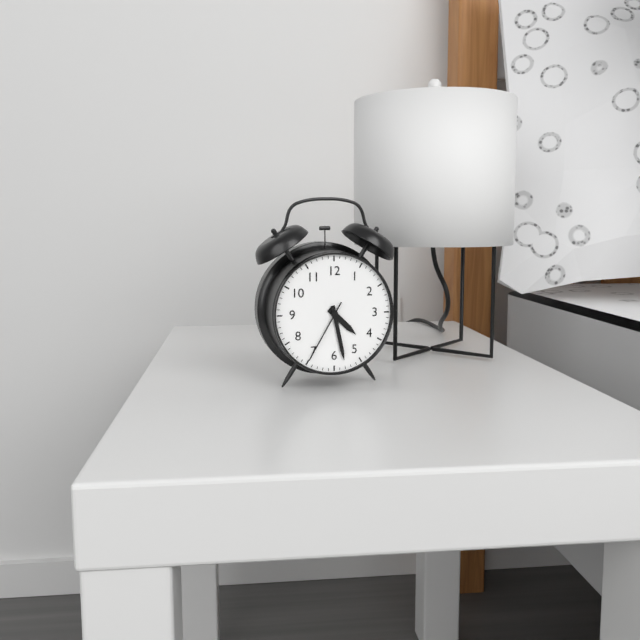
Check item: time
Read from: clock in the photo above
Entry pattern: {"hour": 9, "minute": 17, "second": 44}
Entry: {"hour": 4, "minute": 28, "second": 35}
